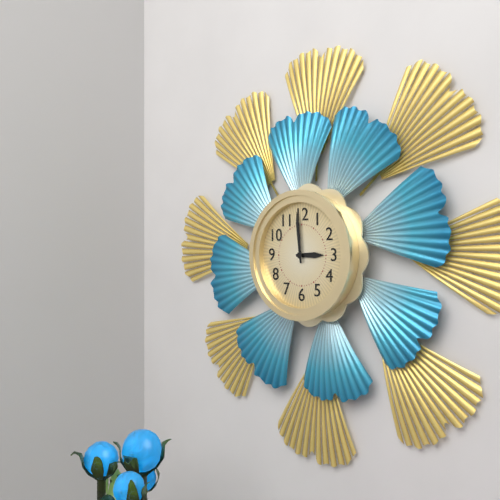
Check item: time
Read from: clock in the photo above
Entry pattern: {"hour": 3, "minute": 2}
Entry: {"hour": 2, "minute": 59}
